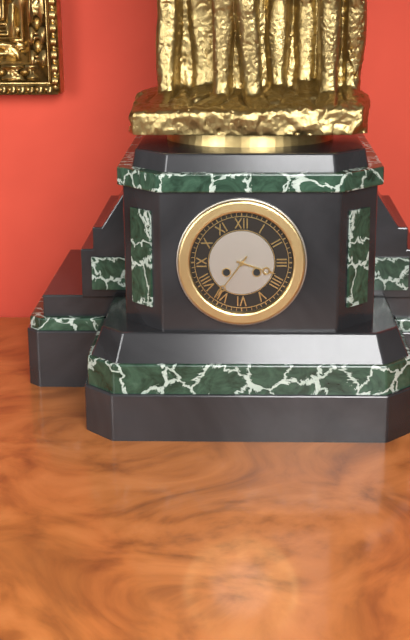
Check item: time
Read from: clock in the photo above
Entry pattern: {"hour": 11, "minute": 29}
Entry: {"hour": 3, "minute": 36}
